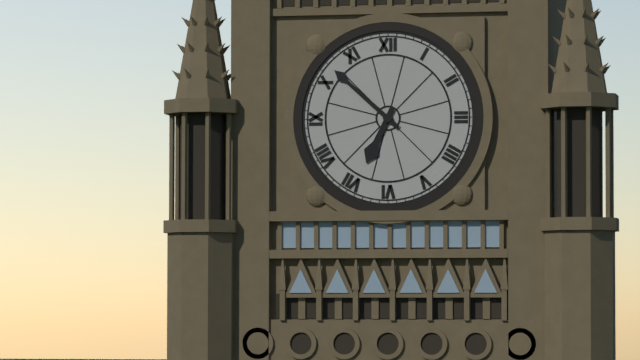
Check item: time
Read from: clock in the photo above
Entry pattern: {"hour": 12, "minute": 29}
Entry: {"hour": 6, "minute": 52}
